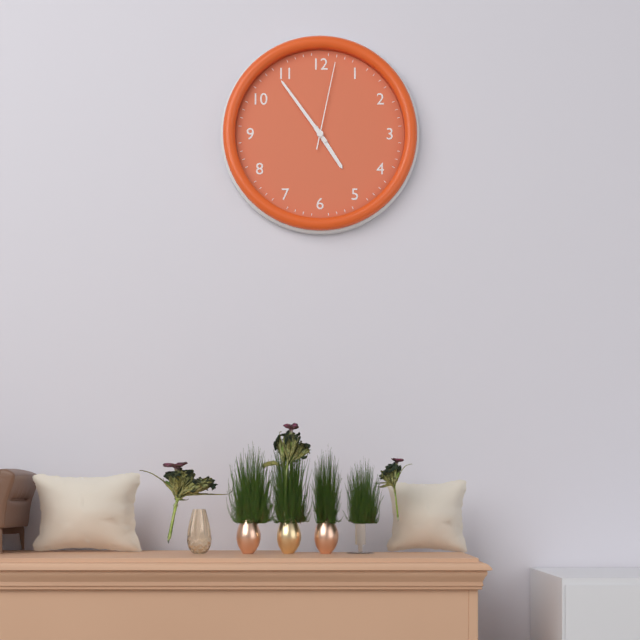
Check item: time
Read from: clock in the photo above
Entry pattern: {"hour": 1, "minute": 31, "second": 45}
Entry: {"hour": 4, "minute": 54, "second": 2}
